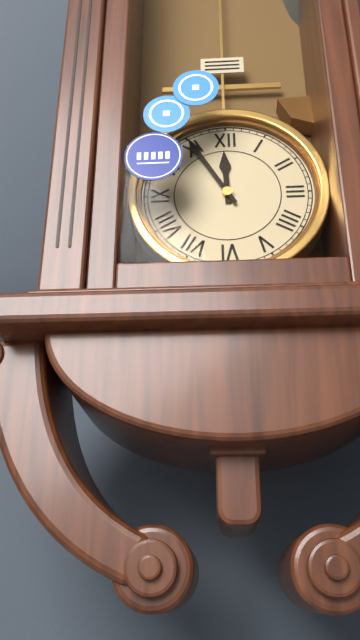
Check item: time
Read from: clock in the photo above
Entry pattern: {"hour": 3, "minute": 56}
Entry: {"hour": 11, "minute": 55}
